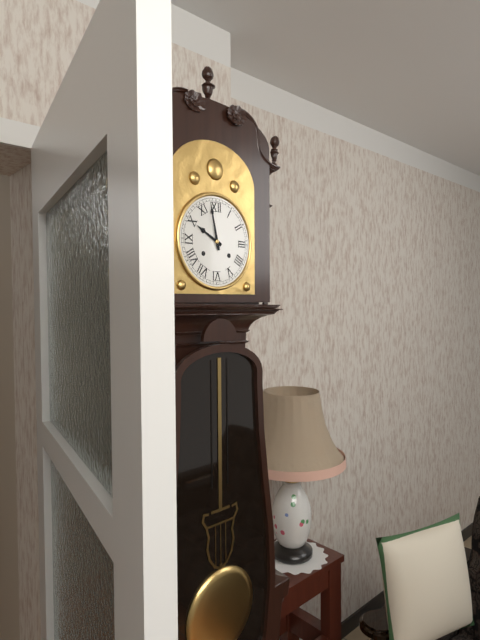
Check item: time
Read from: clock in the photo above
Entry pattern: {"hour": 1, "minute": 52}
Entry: {"hour": 9, "minute": 58}
